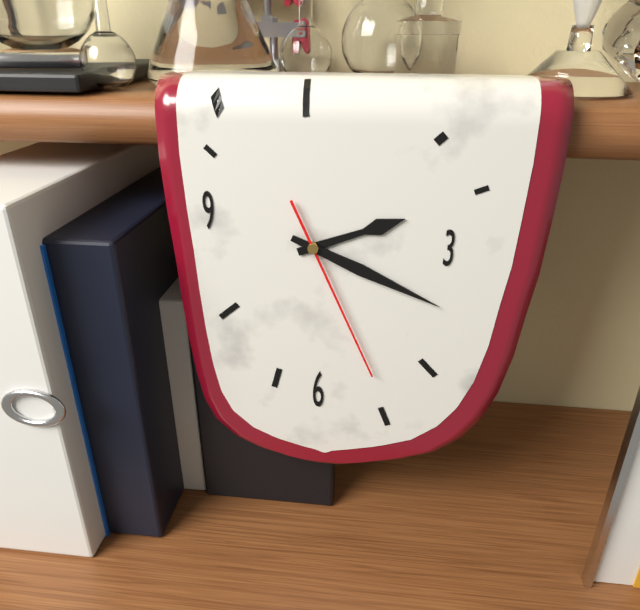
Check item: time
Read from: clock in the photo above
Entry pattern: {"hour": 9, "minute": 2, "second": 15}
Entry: {"hour": 2, "minute": 19, "second": 26}
